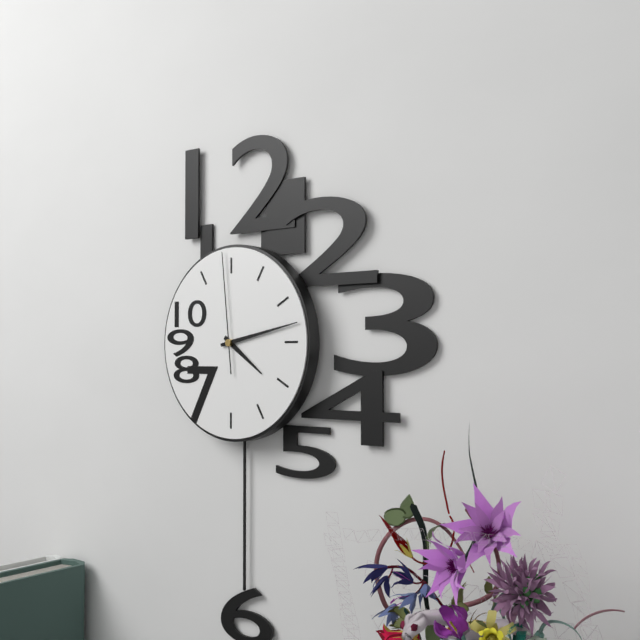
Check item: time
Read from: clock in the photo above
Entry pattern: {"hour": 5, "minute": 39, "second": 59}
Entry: {"hour": 4, "minute": 13, "second": 59}
